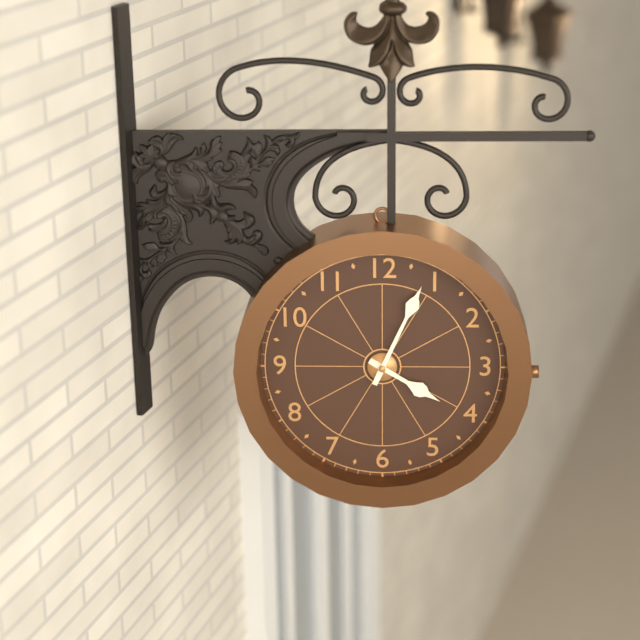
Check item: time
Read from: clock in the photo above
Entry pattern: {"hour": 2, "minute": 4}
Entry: {"hour": 4, "minute": 4}
